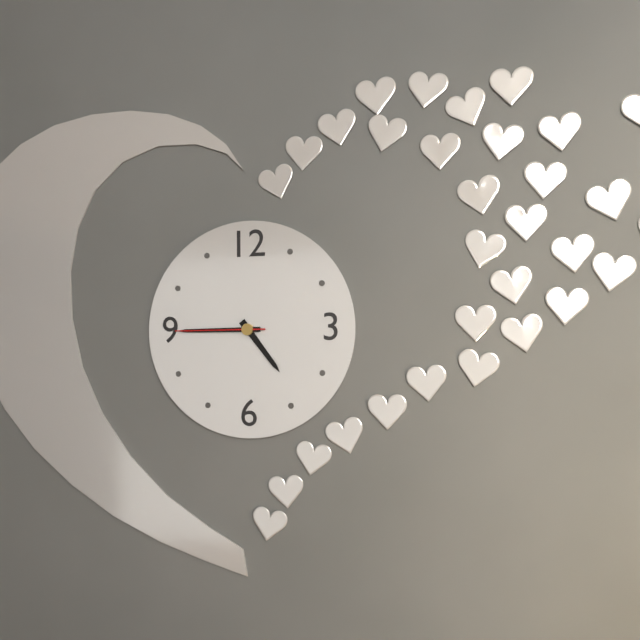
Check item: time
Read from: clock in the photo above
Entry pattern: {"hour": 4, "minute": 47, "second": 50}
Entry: {"hour": 4, "minute": 45, "second": 45}
